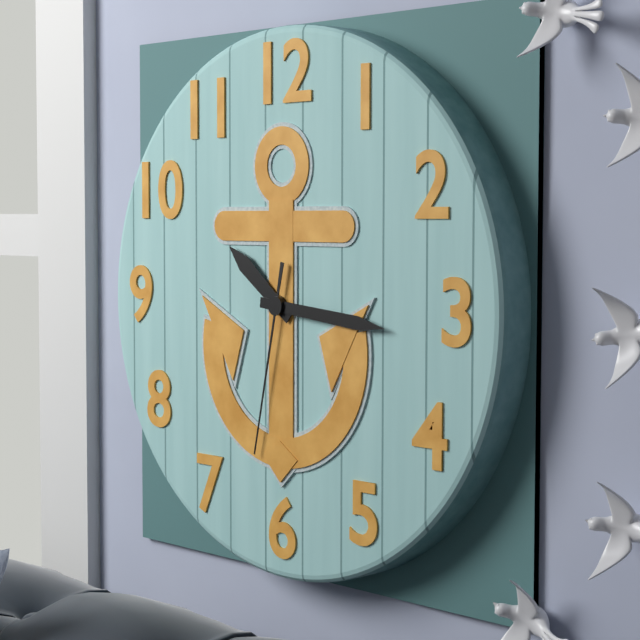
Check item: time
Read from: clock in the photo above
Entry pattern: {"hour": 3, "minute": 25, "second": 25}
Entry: {"hour": 10, "minute": 16, "second": 32}
